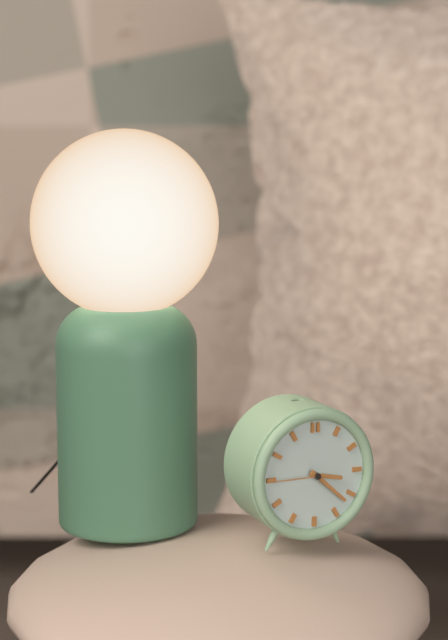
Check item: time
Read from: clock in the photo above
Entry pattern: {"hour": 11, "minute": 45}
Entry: {"hour": 3, "minute": 22}
